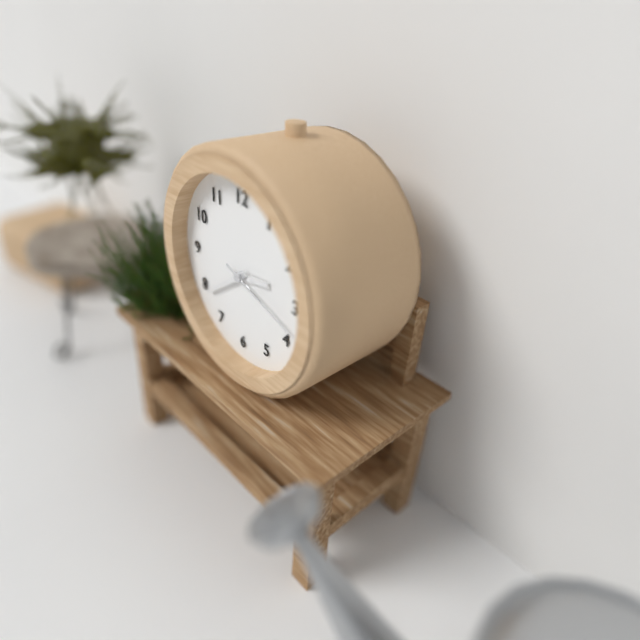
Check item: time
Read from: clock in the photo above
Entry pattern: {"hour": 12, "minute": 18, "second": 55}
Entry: {"hour": 2, "minute": 39, "second": 18}
